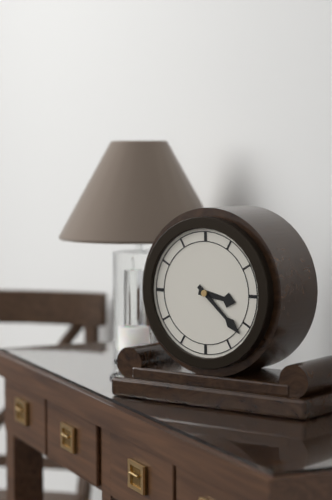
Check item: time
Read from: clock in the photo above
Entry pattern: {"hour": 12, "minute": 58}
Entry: {"hour": 3, "minute": 22}
